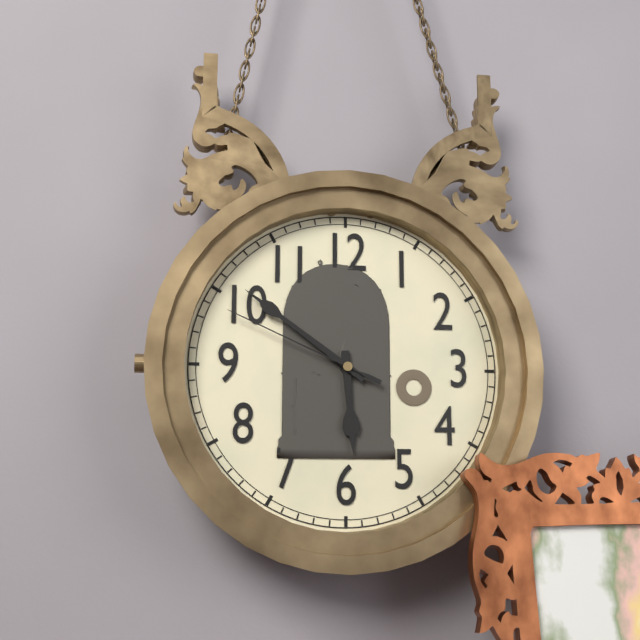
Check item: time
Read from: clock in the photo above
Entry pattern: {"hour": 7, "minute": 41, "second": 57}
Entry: {"hour": 5, "minute": 51, "second": 49}
